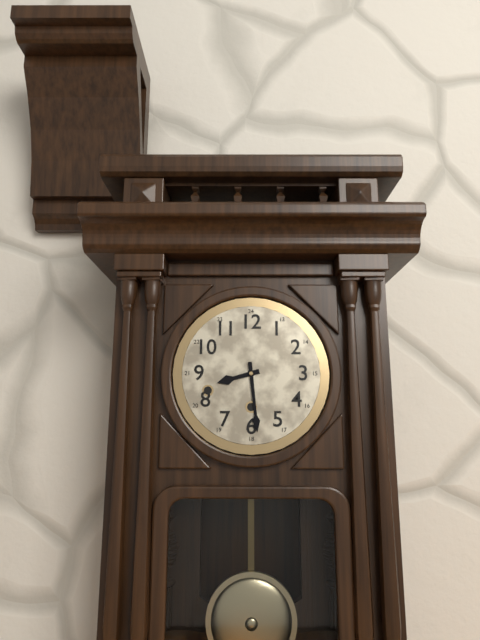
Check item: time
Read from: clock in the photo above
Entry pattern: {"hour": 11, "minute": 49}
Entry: {"hour": 8, "minute": 29}
